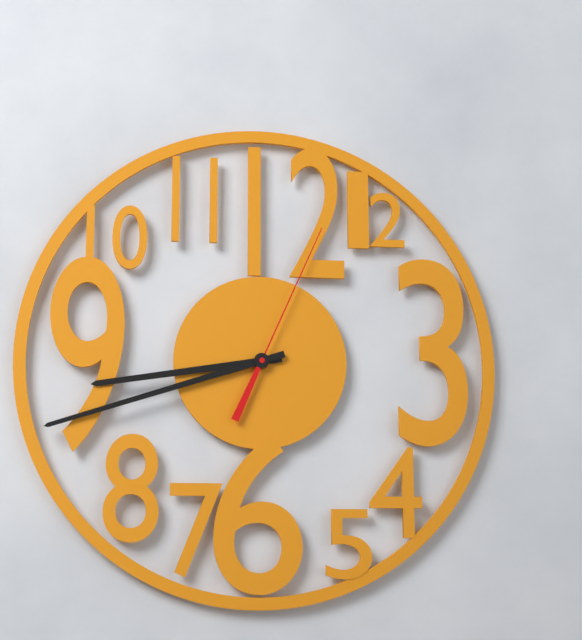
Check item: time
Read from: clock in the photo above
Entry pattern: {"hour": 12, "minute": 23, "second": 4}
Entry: {"hour": 8, "minute": 42, "second": 4}
